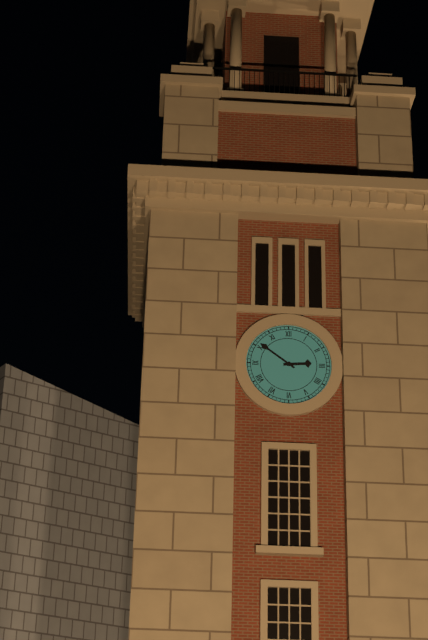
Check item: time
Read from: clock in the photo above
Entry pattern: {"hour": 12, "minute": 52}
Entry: {"hour": 2, "minute": 51}
